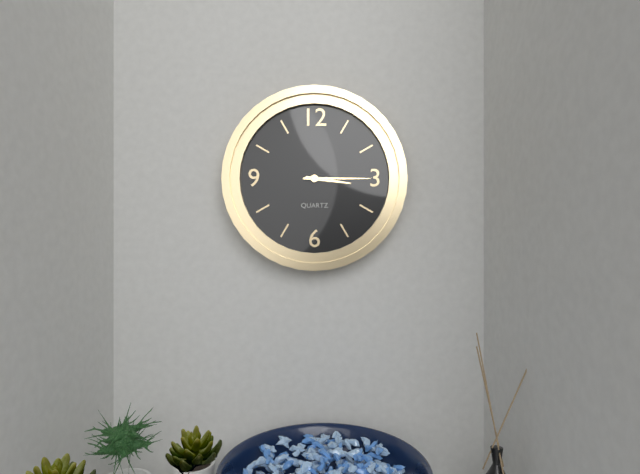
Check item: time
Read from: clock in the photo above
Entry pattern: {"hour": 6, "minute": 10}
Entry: {"hour": 3, "minute": 15}
